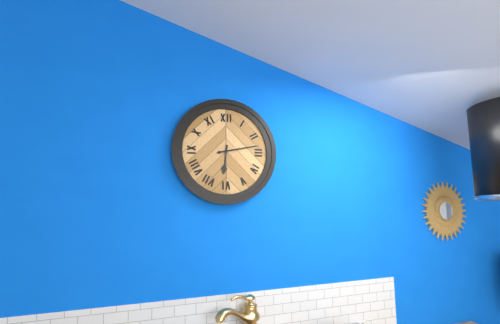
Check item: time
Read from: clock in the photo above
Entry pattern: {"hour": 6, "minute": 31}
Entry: {"hour": 6, "minute": 13}
